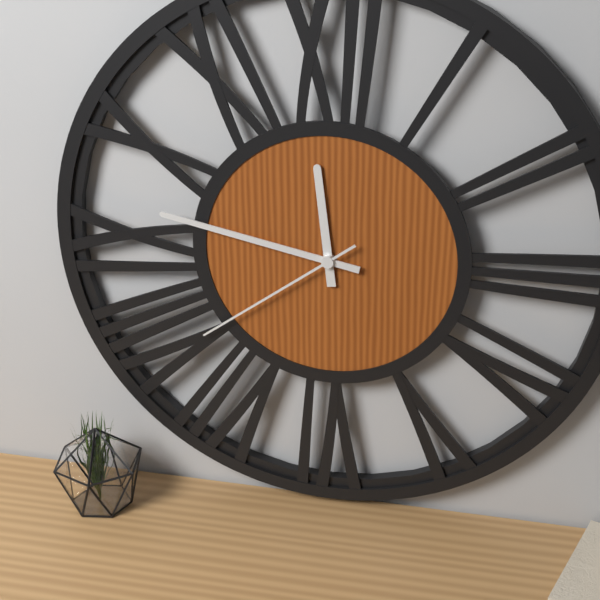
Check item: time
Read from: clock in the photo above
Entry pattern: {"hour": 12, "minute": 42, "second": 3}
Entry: {"hour": 11, "minute": 47, "second": 39}
